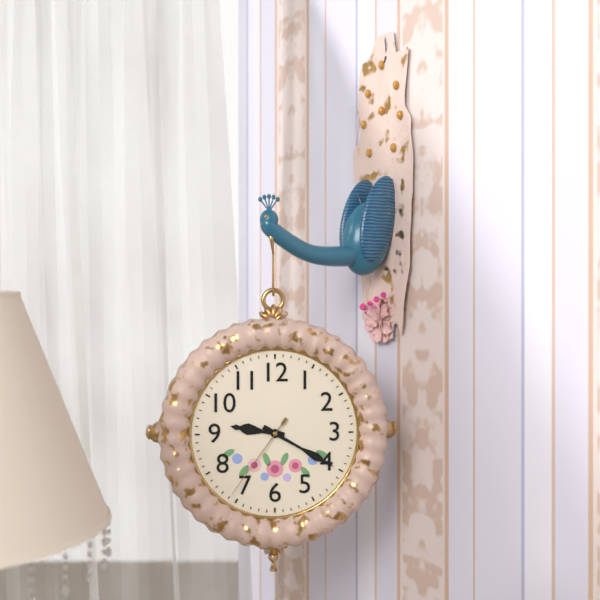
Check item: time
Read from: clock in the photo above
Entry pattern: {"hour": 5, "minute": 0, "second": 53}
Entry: {"hour": 9, "minute": 20, "second": 36}
